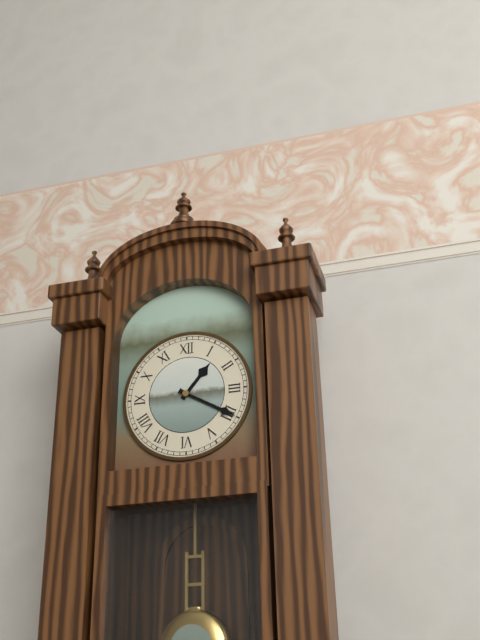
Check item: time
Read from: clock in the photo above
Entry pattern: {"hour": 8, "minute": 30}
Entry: {"hour": 1, "minute": 20}
